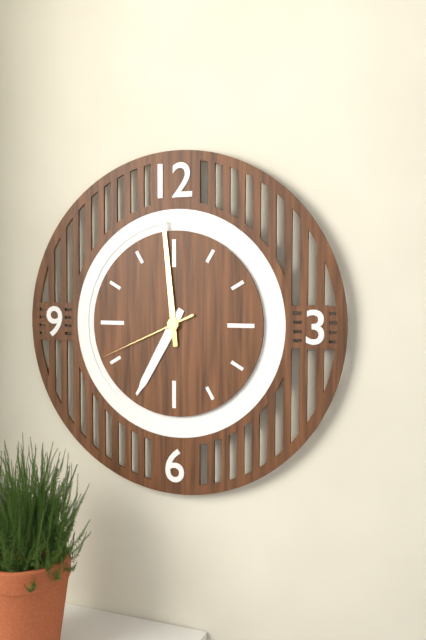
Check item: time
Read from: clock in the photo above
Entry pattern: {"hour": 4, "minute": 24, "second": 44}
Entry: {"hour": 6, "minute": 59, "second": 41}
